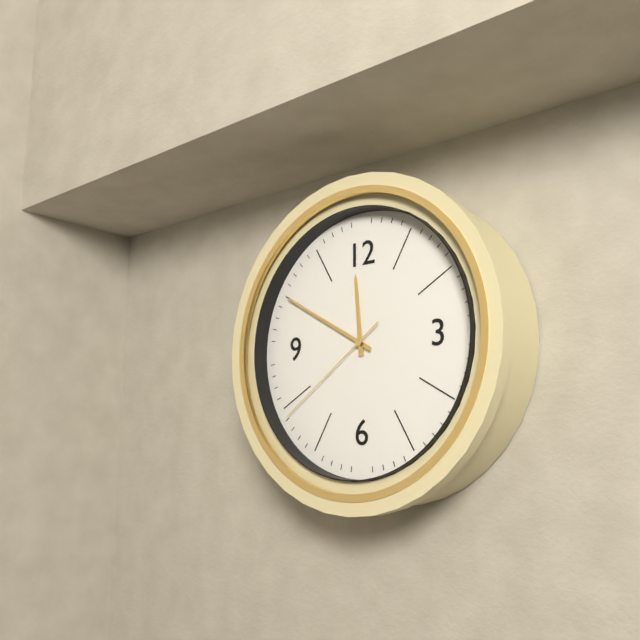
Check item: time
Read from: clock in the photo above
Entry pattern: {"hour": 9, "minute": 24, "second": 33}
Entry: {"hour": 11, "minute": 50, "second": 39}
